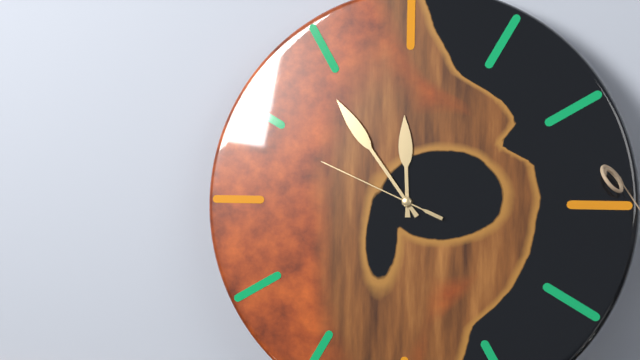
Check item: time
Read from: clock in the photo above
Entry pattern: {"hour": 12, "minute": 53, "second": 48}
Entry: {"hour": 11, "minute": 54, "second": 49}
